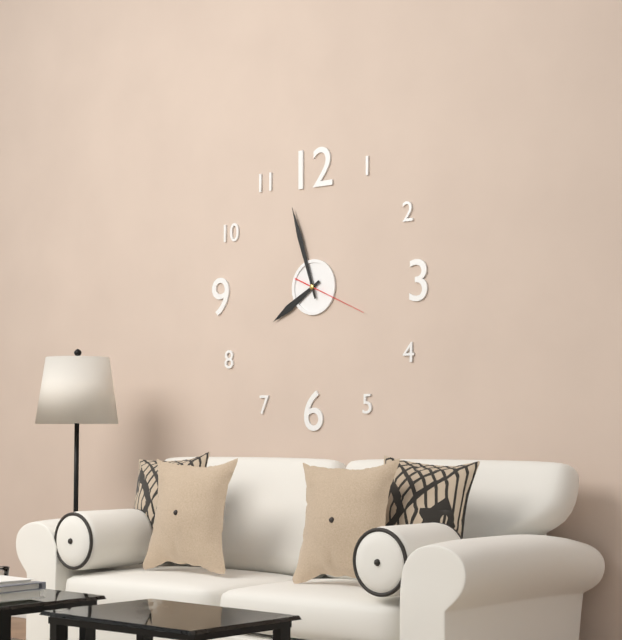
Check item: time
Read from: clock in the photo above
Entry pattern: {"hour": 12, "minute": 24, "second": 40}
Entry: {"hour": 7, "minute": 57, "second": 19}
